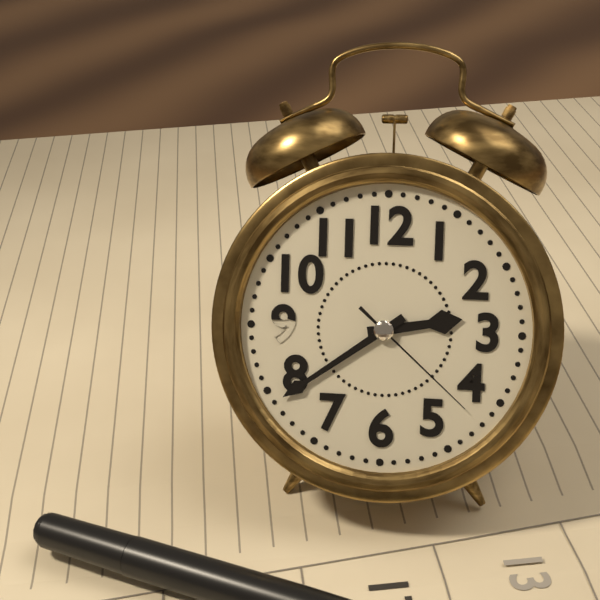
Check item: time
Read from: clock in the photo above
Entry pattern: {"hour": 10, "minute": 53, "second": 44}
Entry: {"hour": 2, "minute": 39, "second": 22}
